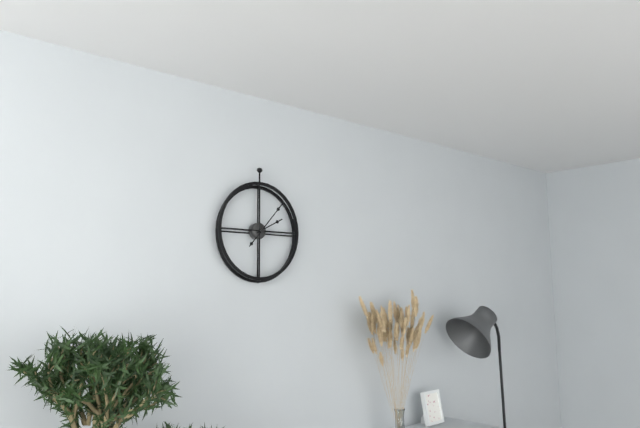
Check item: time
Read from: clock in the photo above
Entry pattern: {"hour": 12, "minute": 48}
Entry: {"hour": 2, "minute": 7}
